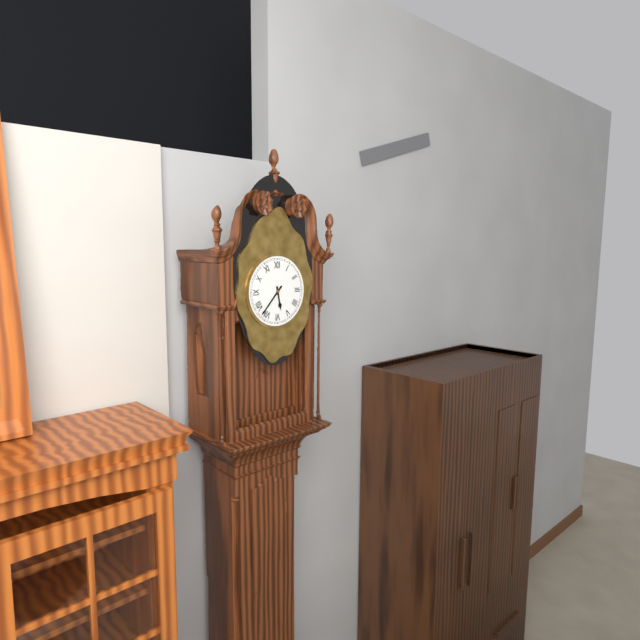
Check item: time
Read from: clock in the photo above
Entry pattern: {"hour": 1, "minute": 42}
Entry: {"hour": 5, "minute": 37}
